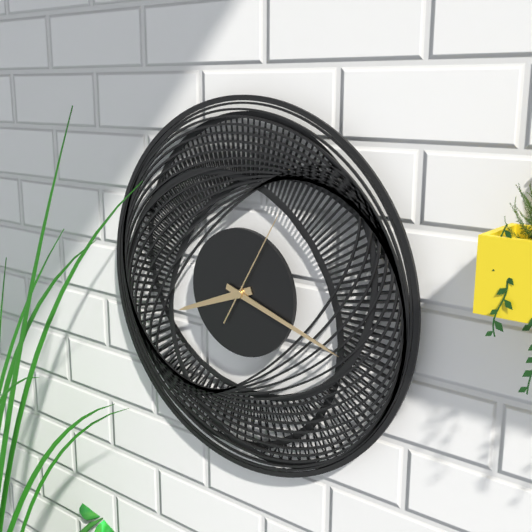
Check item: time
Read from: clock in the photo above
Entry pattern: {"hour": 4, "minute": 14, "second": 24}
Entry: {"hour": 8, "minute": 18, "second": 5}
